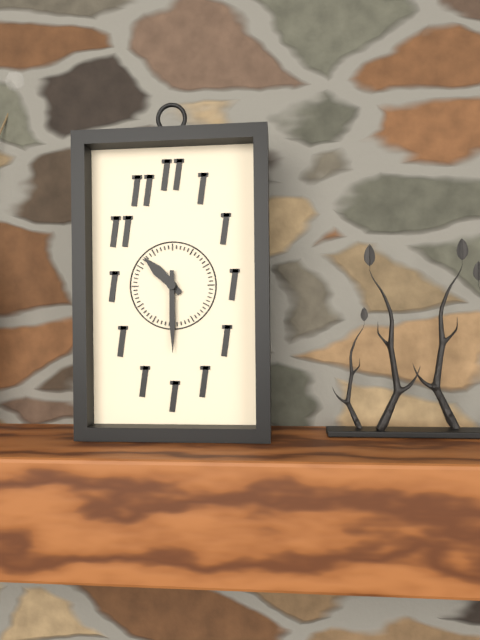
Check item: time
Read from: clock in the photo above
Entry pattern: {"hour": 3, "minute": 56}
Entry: {"hour": 10, "minute": 30}
